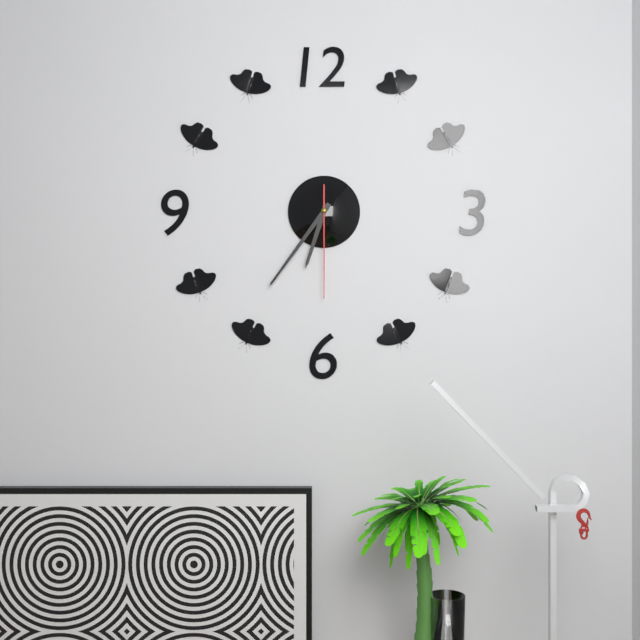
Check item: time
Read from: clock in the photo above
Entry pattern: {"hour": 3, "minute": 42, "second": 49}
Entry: {"hour": 6, "minute": 36, "second": 30}
